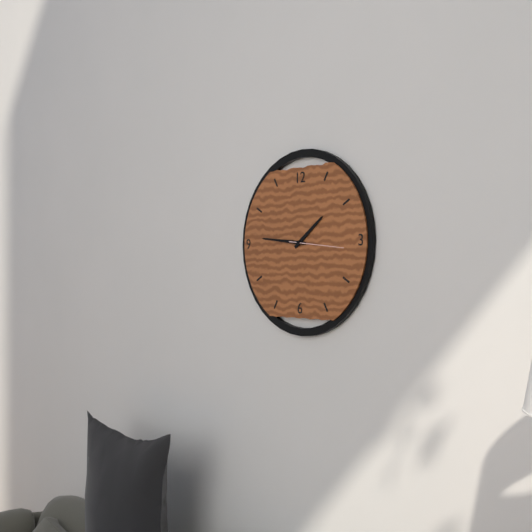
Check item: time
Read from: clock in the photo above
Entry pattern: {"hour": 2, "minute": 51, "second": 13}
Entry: {"hour": 1, "minute": 46, "second": 16}
